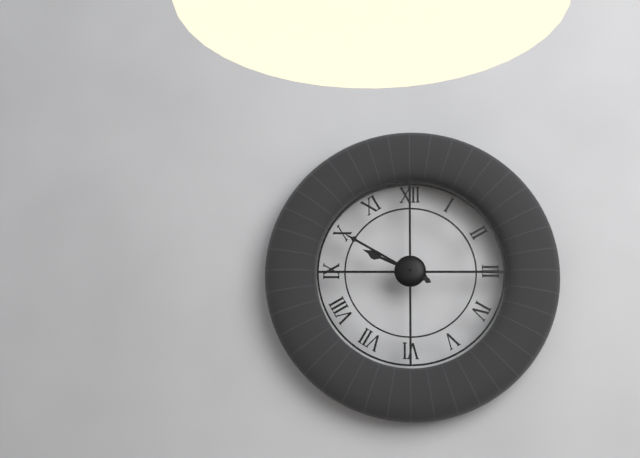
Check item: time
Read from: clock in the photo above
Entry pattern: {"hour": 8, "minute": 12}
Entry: {"hour": 9, "minute": 50}
